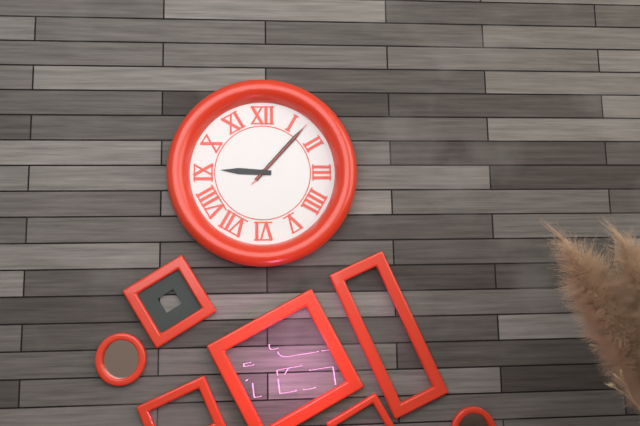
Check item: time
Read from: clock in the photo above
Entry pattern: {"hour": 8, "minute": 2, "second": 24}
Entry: {"hour": 9, "minute": 7, "second": 7}
